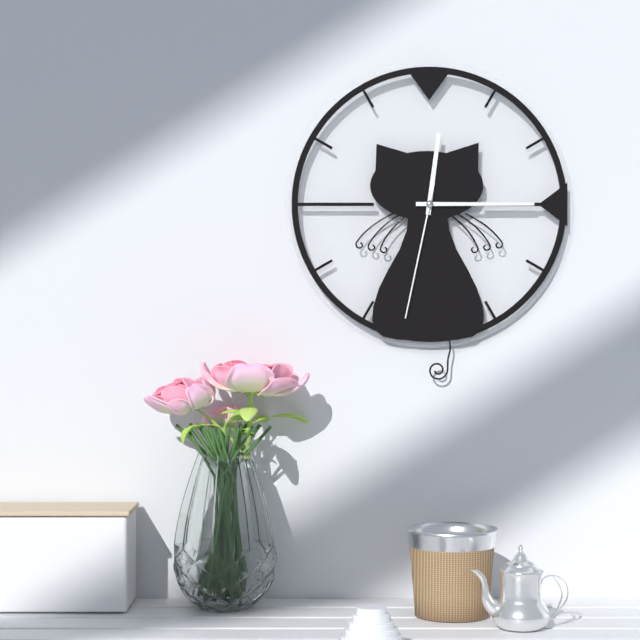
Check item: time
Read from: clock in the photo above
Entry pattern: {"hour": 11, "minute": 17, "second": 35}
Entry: {"hour": 12, "minute": 15, "second": 32}
